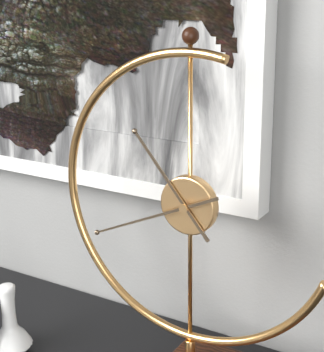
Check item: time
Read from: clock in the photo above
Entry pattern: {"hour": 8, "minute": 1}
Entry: {"hour": 10, "minute": 41}
